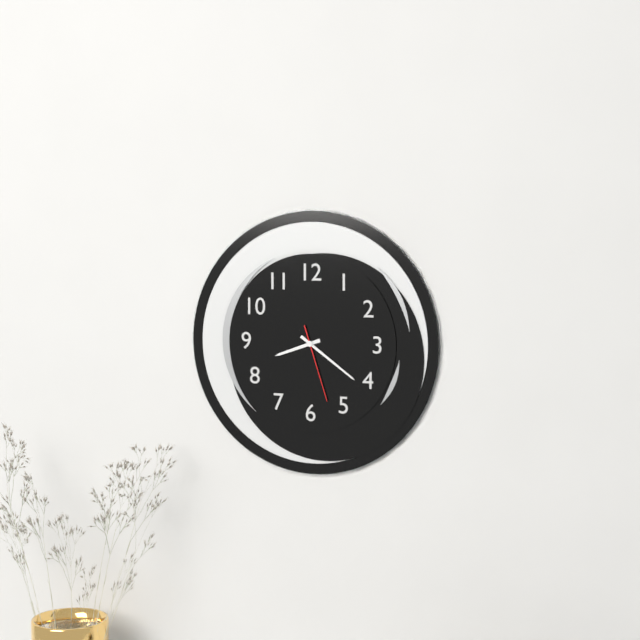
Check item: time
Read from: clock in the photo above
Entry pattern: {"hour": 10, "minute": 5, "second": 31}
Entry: {"hour": 8, "minute": 21, "second": 27}
